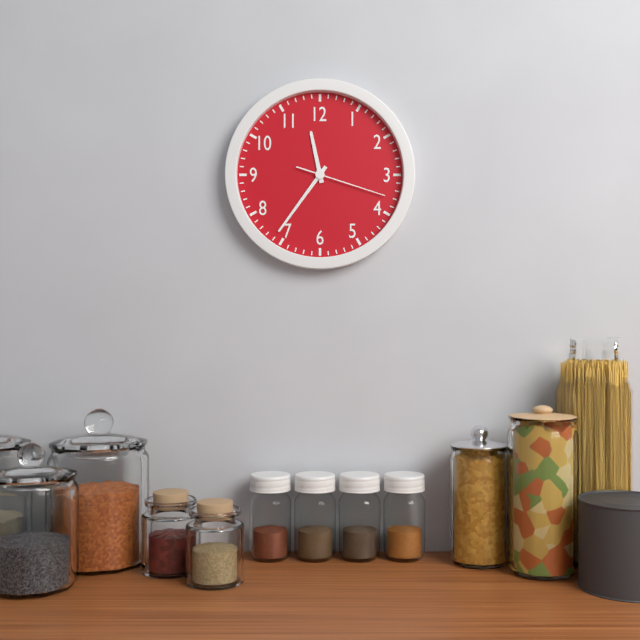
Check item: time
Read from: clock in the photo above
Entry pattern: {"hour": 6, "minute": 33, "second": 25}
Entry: {"hour": 11, "minute": 36, "second": 18}
